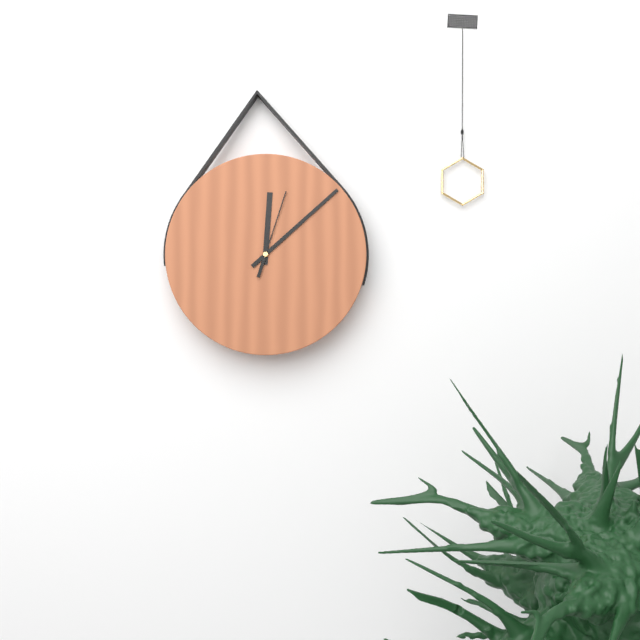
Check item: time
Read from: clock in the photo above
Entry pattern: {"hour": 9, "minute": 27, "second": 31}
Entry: {"hour": 12, "minute": 8, "second": 3}
